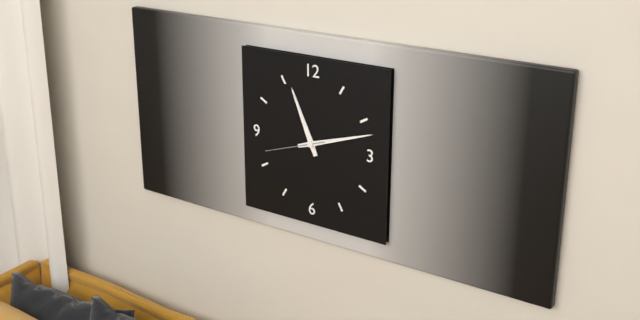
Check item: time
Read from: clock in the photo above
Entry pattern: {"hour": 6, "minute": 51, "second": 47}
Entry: {"hour": 11, "minute": 12, "second": 42}
